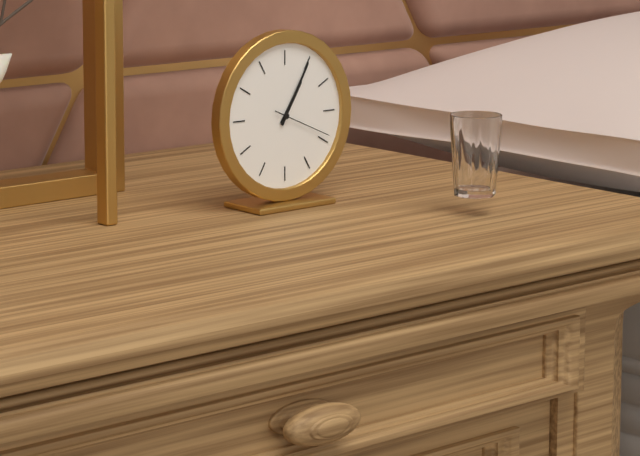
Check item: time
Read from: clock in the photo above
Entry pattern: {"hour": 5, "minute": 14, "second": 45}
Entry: {"hour": 1, "minute": 5, "second": 19}
